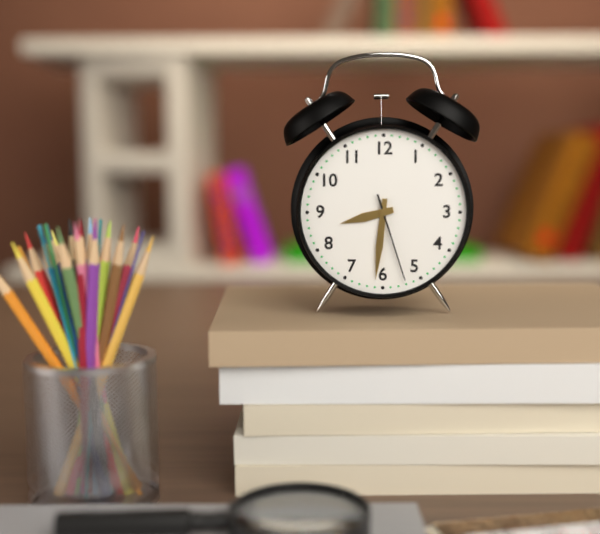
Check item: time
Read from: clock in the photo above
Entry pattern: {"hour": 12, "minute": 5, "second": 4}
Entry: {"hour": 8, "minute": 31, "second": 27}
